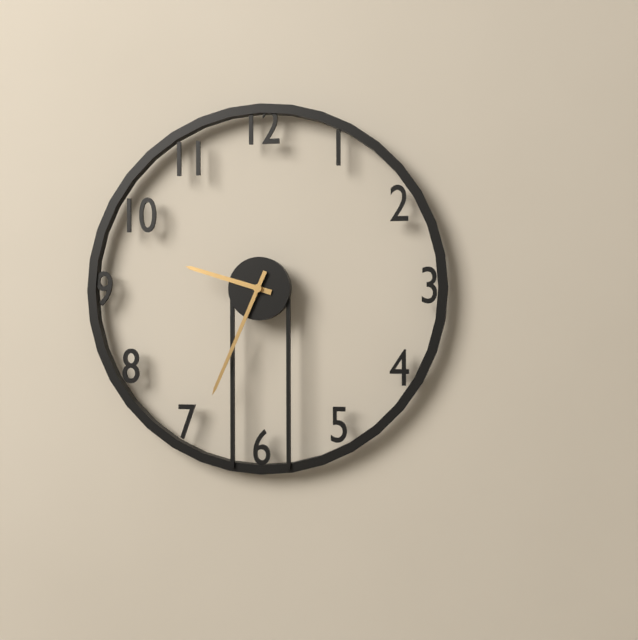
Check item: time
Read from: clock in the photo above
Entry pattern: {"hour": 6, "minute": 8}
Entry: {"hour": 9, "minute": 34}
